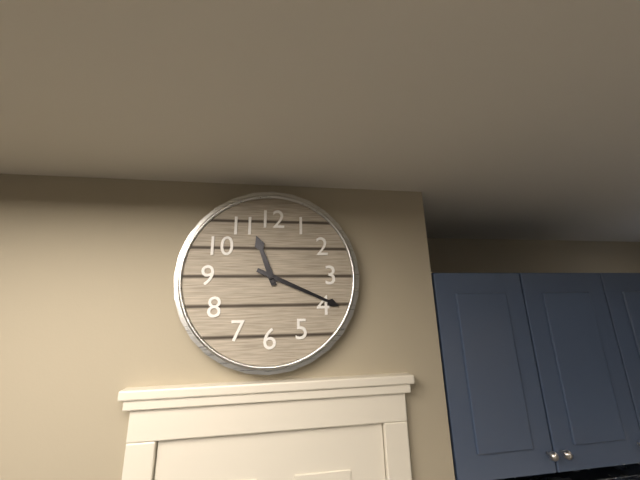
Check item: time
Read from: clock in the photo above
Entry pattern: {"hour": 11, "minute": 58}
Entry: {"hour": 11, "minute": 19}
